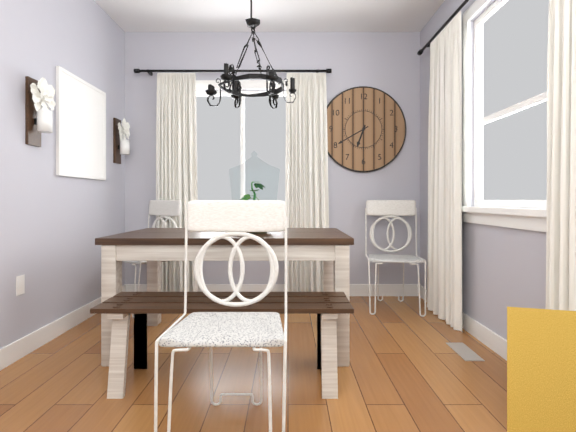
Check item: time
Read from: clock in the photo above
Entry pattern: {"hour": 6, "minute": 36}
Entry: {"hour": 6, "minute": 40}
